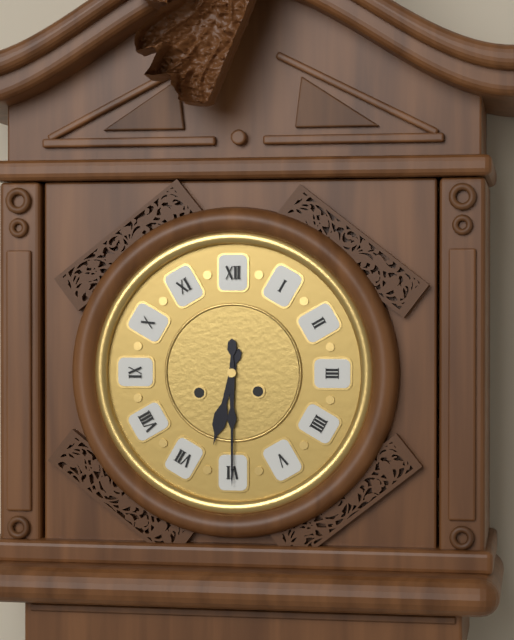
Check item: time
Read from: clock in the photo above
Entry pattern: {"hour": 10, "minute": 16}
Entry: {"hour": 6, "minute": 30}
